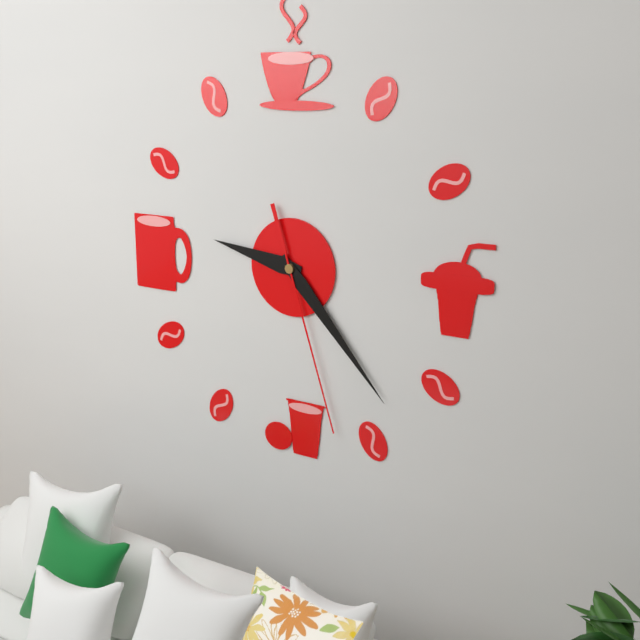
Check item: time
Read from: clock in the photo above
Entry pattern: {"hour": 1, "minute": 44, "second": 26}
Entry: {"hour": 9, "minute": 23, "second": 27}
